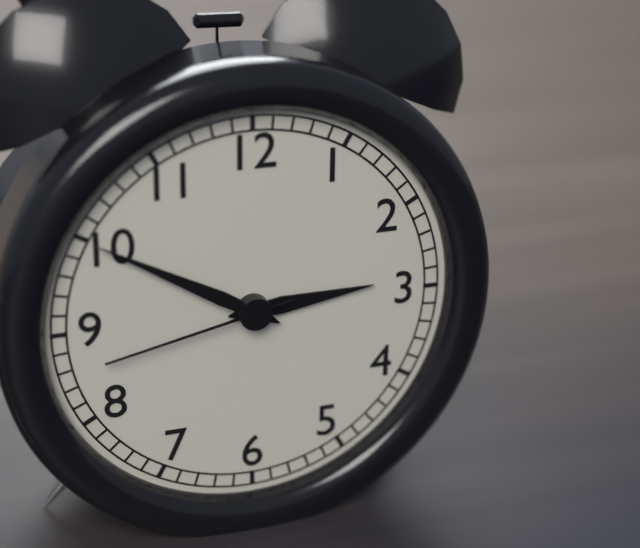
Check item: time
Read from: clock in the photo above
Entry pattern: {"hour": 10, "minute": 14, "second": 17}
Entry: {"hour": 2, "minute": 50, "second": 43}
